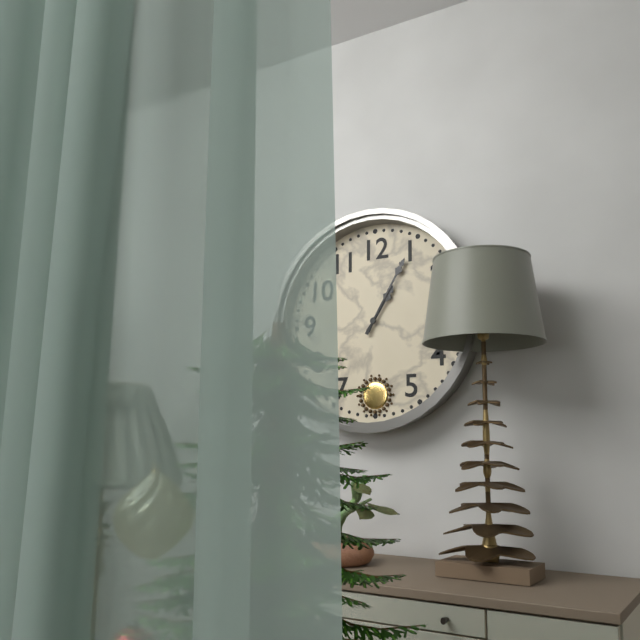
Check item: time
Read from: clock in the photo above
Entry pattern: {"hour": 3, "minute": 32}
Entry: {"hour": 1, "minute": 5}
